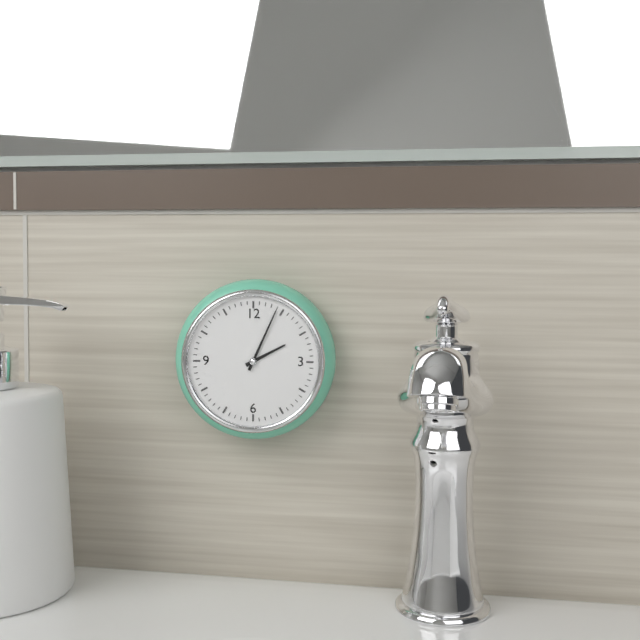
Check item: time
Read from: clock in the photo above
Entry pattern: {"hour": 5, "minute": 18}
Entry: {"hour": 2, "minute": 4}
